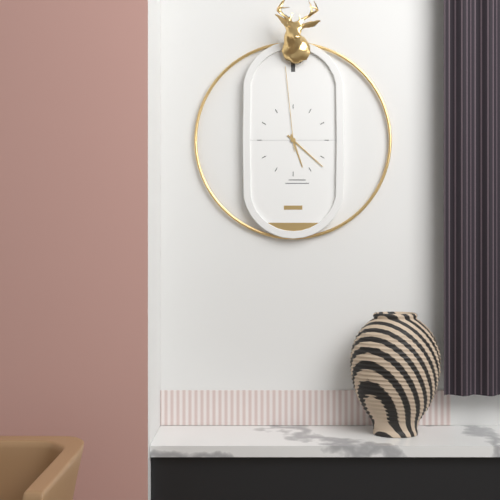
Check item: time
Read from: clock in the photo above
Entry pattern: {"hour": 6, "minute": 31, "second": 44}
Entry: {"hour": 5, "minute": 22, "second": 59}
